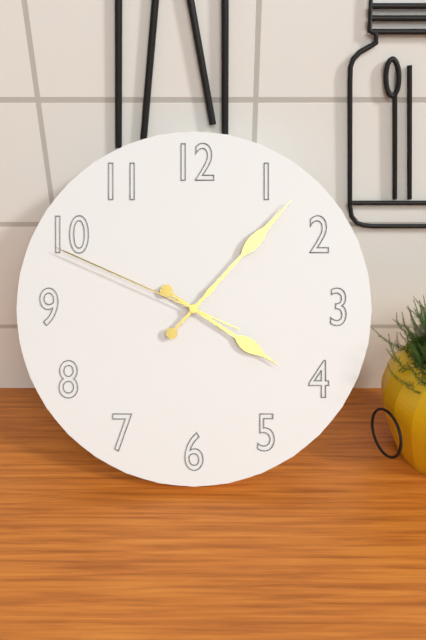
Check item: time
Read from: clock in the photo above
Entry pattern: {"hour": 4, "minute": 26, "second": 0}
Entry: {"hour": 4, "minute": 7, "second": 49}
